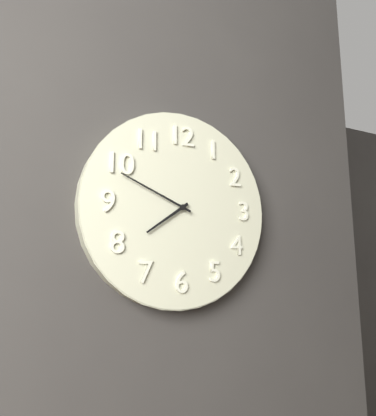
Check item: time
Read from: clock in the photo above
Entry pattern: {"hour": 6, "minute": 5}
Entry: {"hour": 7, "minute": 49}
